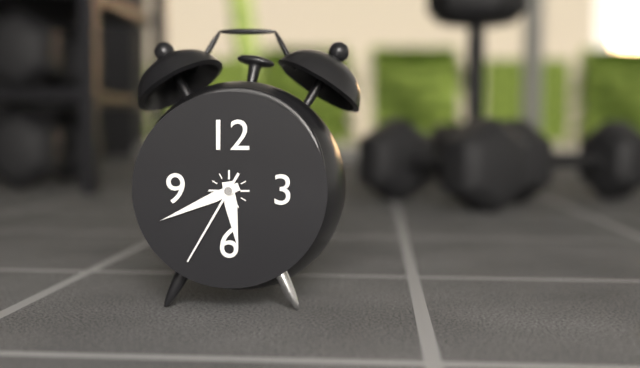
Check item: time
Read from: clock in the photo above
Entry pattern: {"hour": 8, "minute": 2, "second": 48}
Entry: {"hour": 5, "minute": 41, "second": 35}
